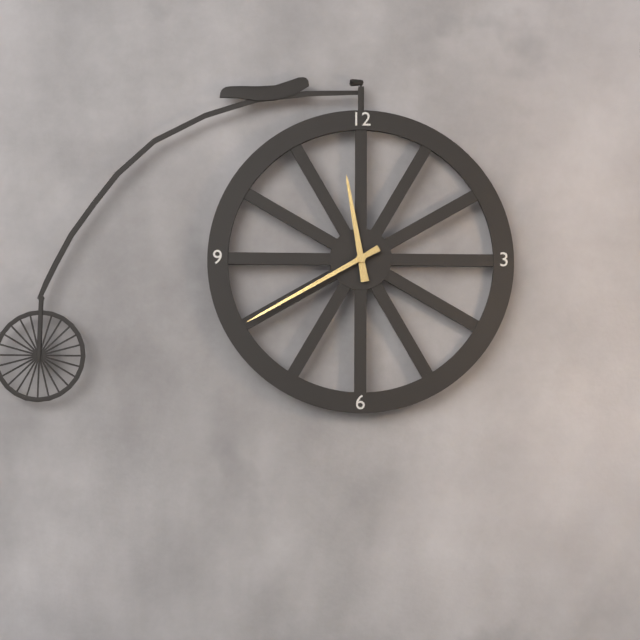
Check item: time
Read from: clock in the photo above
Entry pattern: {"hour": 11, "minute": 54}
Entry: {"hour": 11, "minute": 40}
